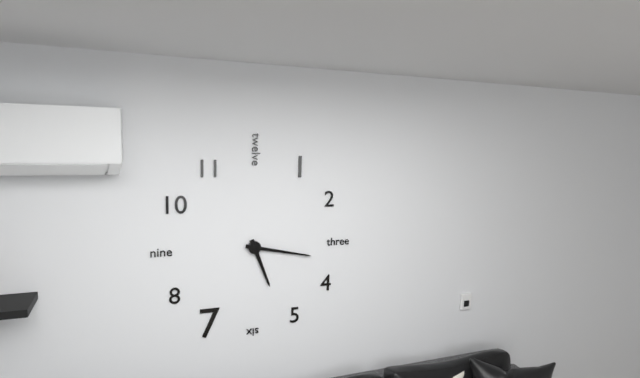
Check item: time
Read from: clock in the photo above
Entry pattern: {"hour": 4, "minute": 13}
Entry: {"hour": 5, "minute": 17}
